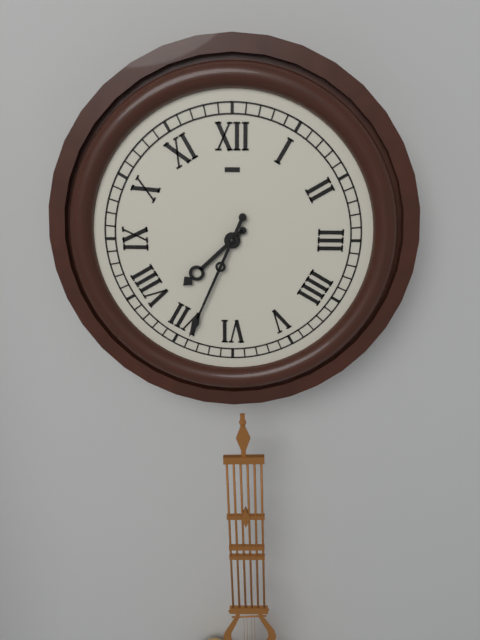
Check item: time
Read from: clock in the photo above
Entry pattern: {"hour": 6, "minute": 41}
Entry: {"hour": 7, "minute": 34}
